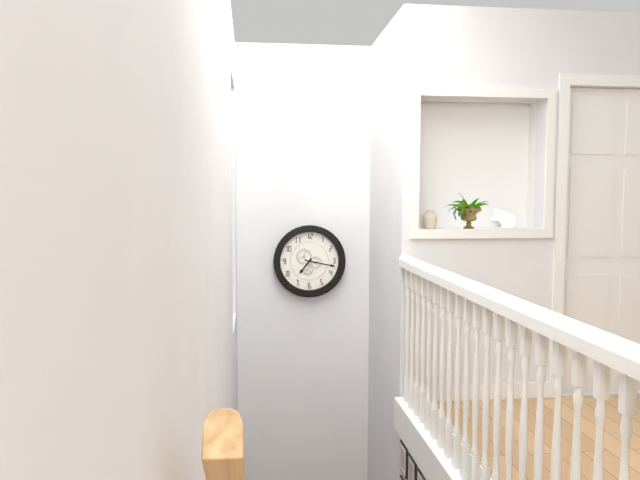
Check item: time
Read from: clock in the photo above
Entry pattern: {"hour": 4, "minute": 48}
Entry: {"hour": 7, "minute": 17}
